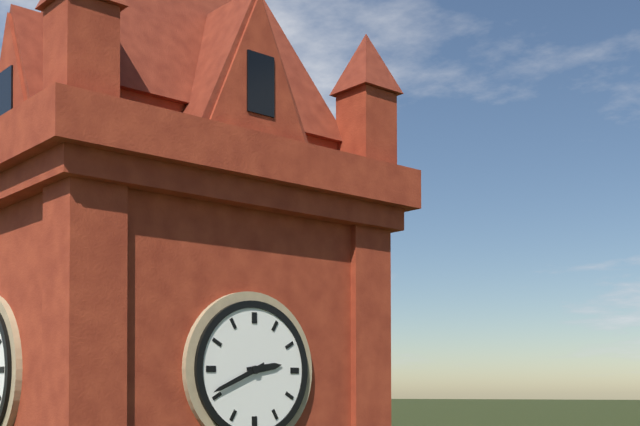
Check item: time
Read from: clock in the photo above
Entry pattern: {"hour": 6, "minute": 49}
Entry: {"hour": 2, "minute": 41}
